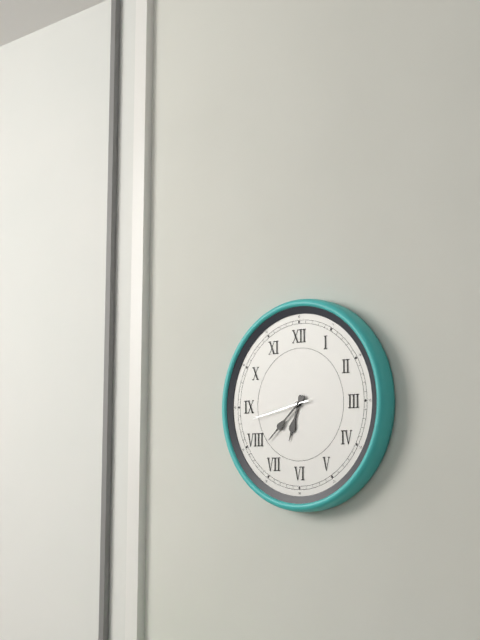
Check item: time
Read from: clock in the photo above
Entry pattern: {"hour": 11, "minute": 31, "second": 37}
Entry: {"hour": 6, "minute": 38, "second": 43}
